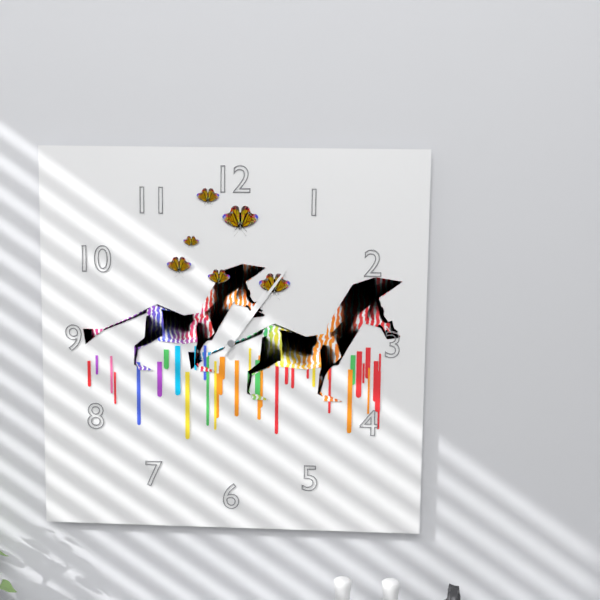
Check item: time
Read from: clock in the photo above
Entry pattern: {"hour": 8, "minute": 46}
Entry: {"hour": 1, "minute": 6}
